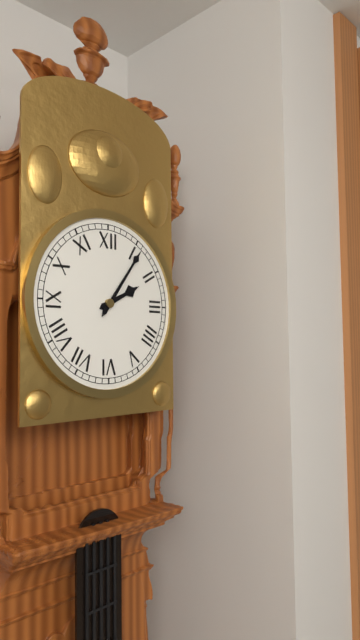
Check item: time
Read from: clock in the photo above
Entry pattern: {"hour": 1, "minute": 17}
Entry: {"hour": 2, "minute": 6}
